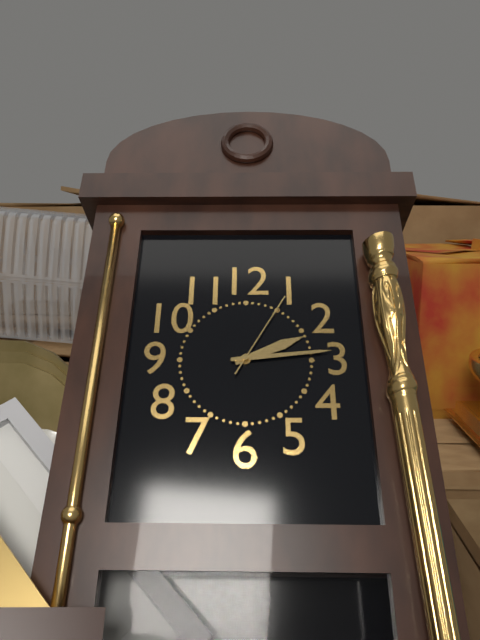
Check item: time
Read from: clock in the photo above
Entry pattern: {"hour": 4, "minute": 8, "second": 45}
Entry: {"hour": 2, "minute": 14, "second": 5}
